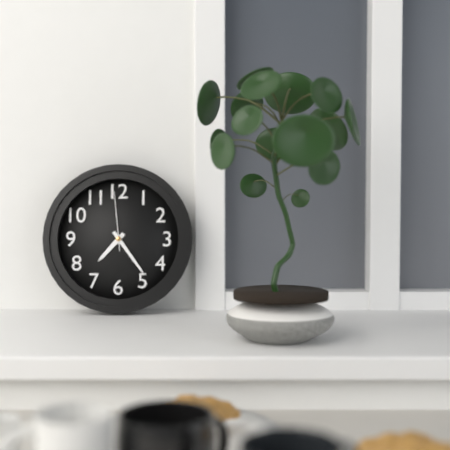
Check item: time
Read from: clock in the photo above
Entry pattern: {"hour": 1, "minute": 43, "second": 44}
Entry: {"hour": 7, "minute": 24, "second": 59}
